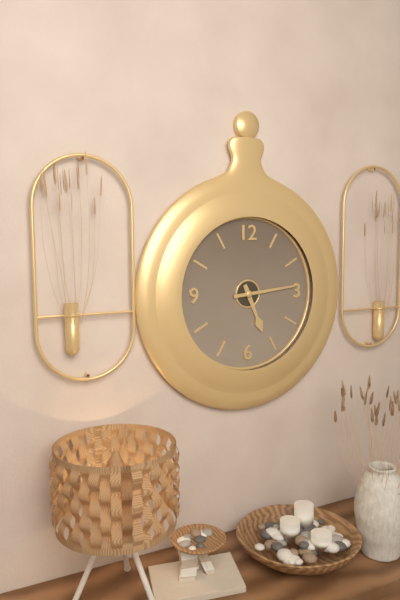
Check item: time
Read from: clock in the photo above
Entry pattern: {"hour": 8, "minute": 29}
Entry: {"hour": 5, "minute": 14}
